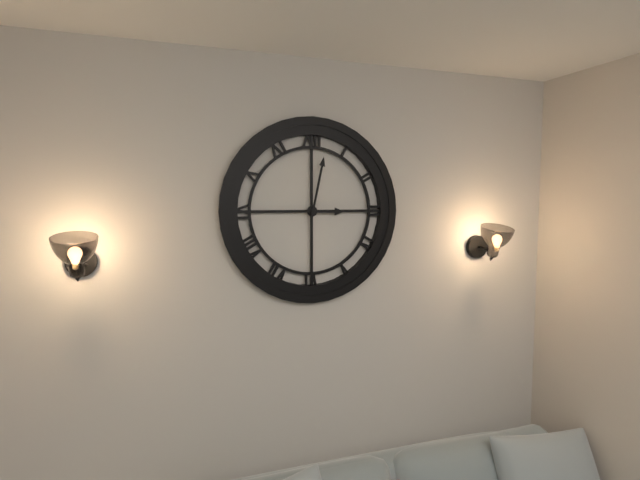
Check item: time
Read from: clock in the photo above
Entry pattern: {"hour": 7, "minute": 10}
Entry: {"hour": 3, "minute": 2}
